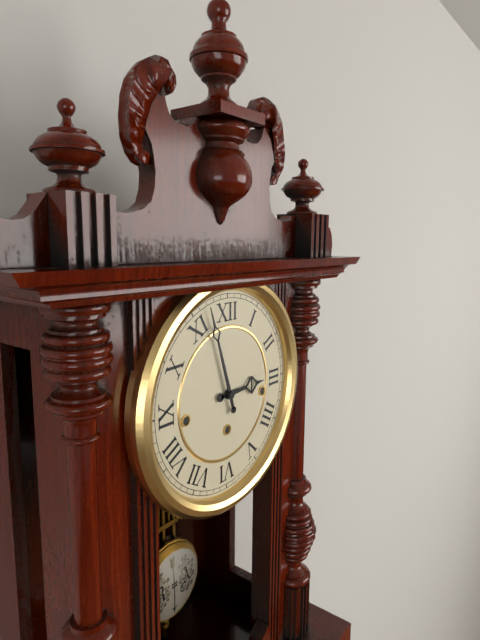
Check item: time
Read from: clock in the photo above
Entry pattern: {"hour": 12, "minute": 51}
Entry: {"hour": 2, "minute": 57}
